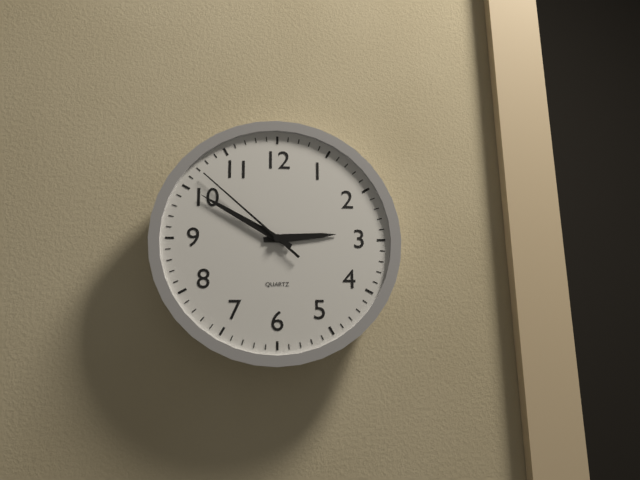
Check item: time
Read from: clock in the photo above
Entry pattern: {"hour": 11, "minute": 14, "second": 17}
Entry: {"hour": 2, "minute": 50, "second": 52}
